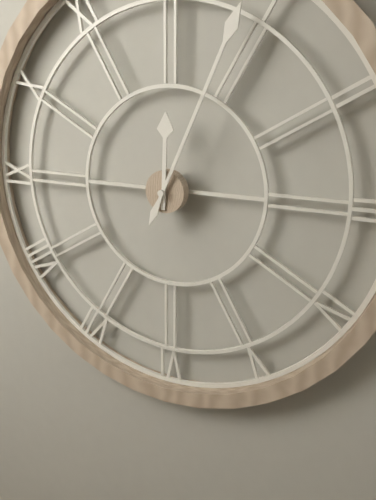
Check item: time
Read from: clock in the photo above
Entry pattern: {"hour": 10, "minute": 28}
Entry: {"hour": 12, "minute": 4}
